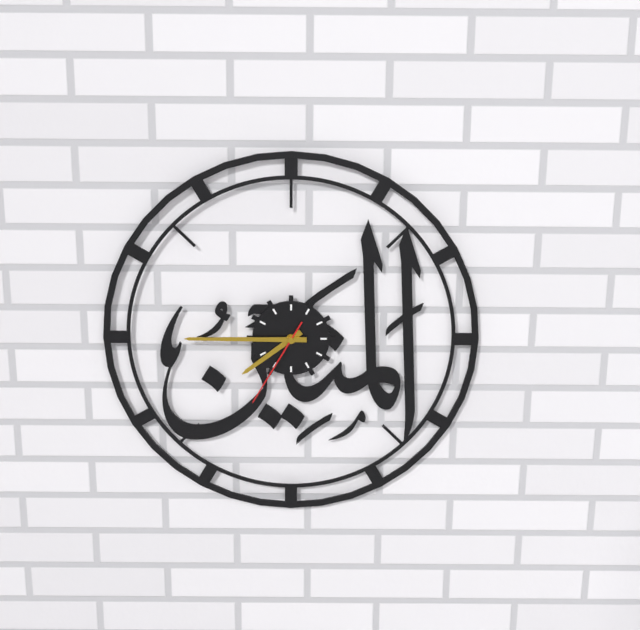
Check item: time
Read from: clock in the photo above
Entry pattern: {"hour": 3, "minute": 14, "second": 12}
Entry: {"hour": 7, "minute": 45, "second": 35}
